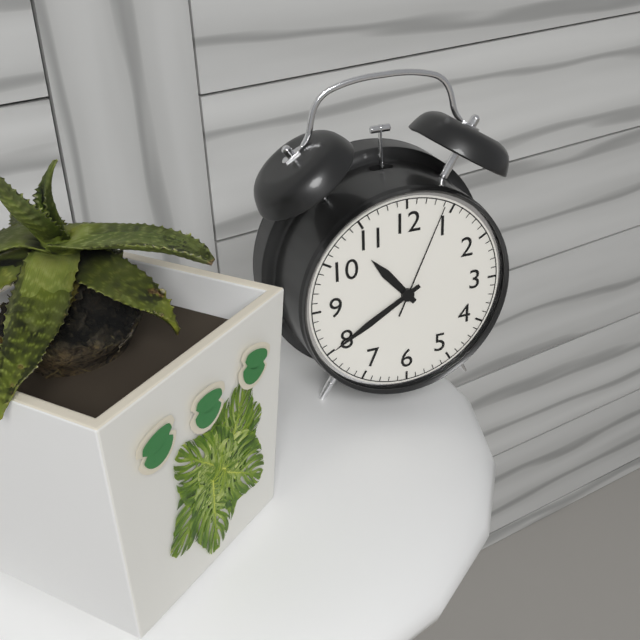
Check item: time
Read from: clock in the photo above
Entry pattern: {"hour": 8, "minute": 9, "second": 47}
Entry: {"hour": 10, "minute": 40, "second": 4}
